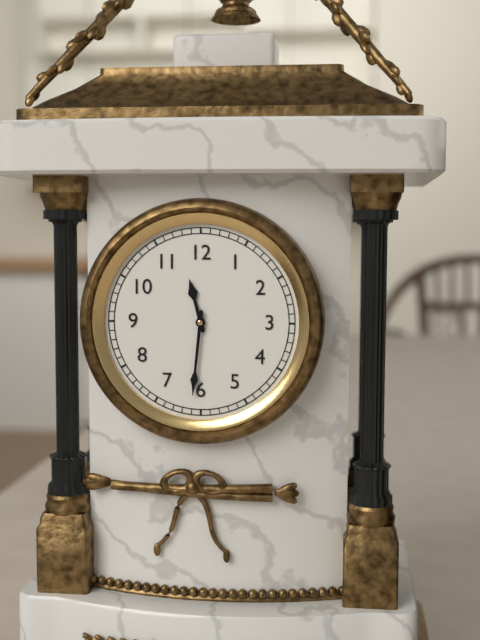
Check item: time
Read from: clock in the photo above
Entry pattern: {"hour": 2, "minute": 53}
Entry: {"hour": 11, "minute": 31}
